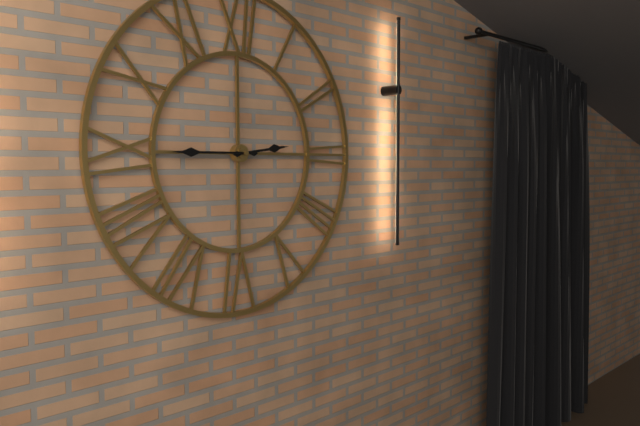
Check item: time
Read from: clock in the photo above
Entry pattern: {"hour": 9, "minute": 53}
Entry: {"hour": 2, "minute": 45}
